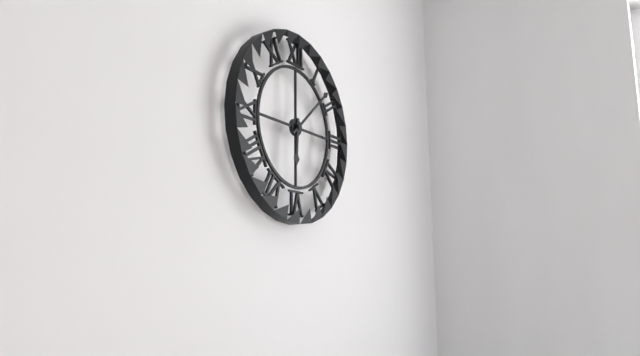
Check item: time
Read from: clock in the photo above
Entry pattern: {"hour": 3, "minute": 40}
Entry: {"hour": 6, "minute": 8}
